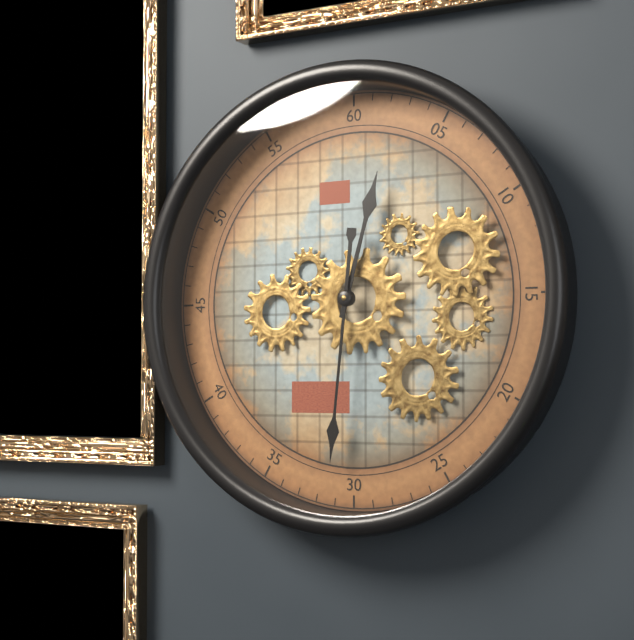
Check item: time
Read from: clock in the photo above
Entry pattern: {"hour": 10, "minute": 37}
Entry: {"hour": 12, "minute": 31}
